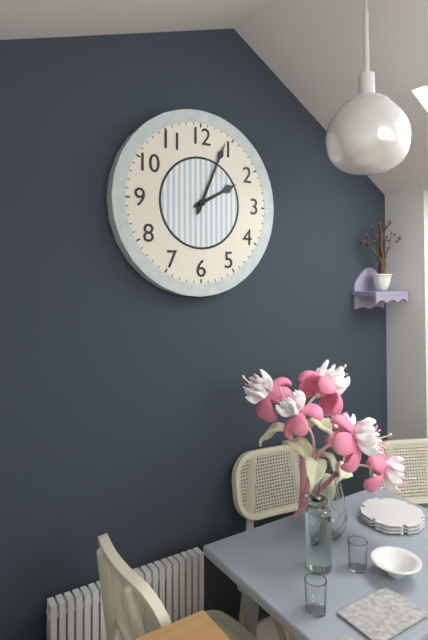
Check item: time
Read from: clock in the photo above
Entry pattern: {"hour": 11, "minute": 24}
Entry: {"hour": 2, "minute": 4}
